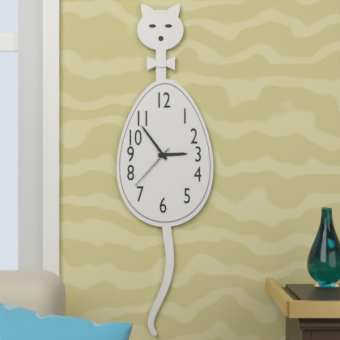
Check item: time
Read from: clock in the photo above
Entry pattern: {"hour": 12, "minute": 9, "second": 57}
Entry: {"hour": 2, "minute": 54, "second": 37}
